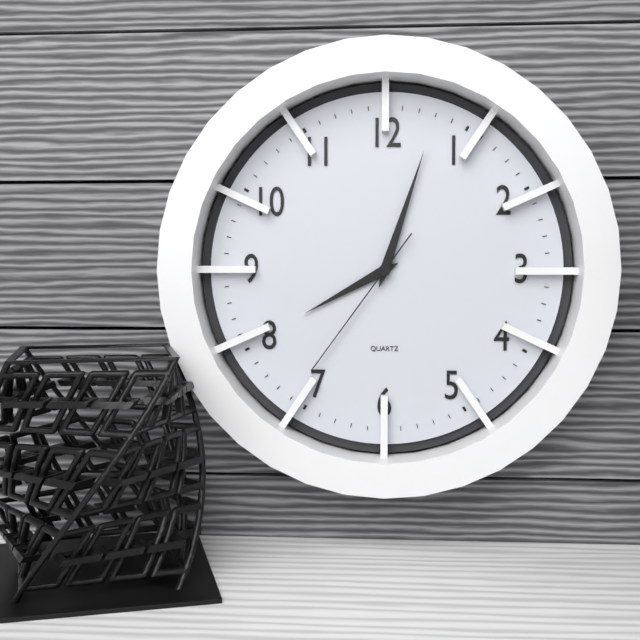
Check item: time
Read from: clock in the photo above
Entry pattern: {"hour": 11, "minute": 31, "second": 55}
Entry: {"hour": 8, "minute": 3, "second": 36}
